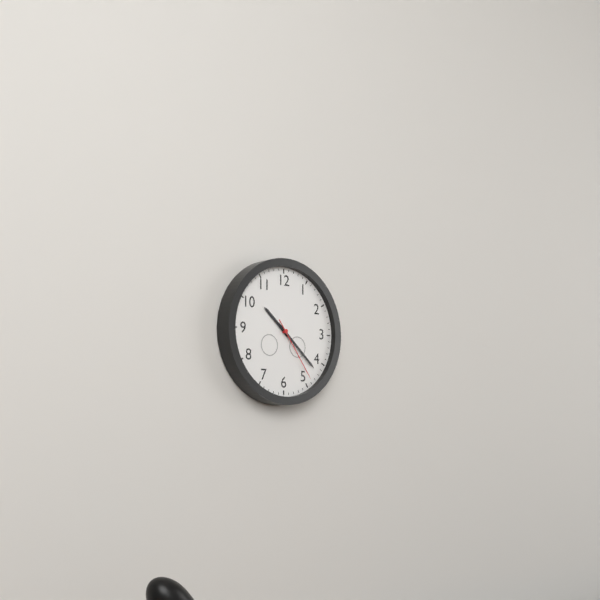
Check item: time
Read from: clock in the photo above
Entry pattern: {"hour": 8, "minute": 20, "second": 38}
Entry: {"hour": 10, "minute": 22, "second": 24}
